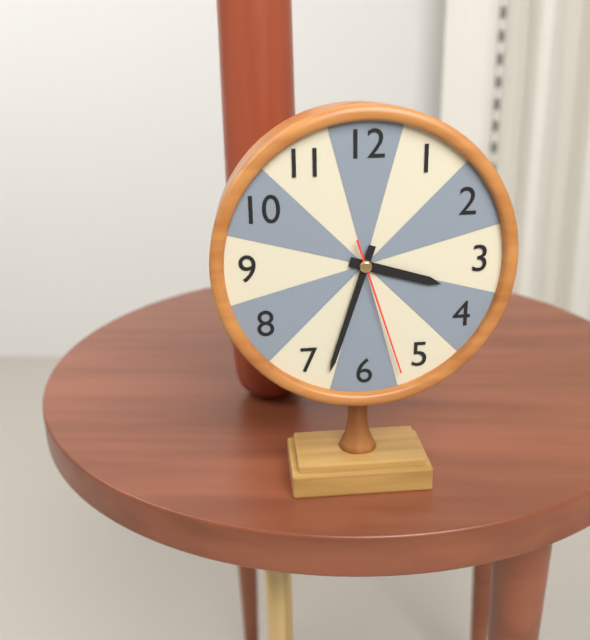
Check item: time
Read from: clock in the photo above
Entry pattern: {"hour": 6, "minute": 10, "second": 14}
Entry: {"hour": 3, "minute": 33, "second": 27}
